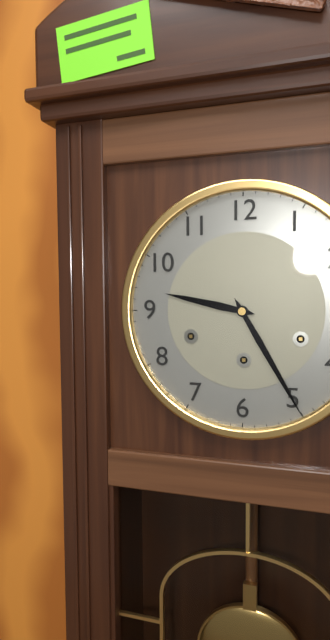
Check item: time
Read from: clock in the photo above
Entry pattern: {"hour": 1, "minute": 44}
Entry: {"hour": 9, "minute": 25}
